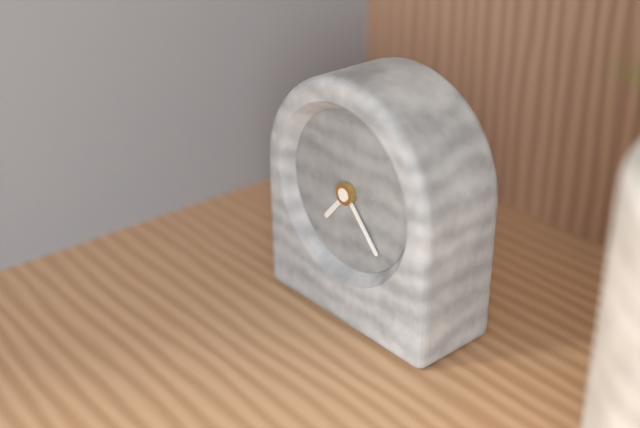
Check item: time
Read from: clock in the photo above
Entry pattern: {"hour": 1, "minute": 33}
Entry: {"hour": 7, "minute": 23}
